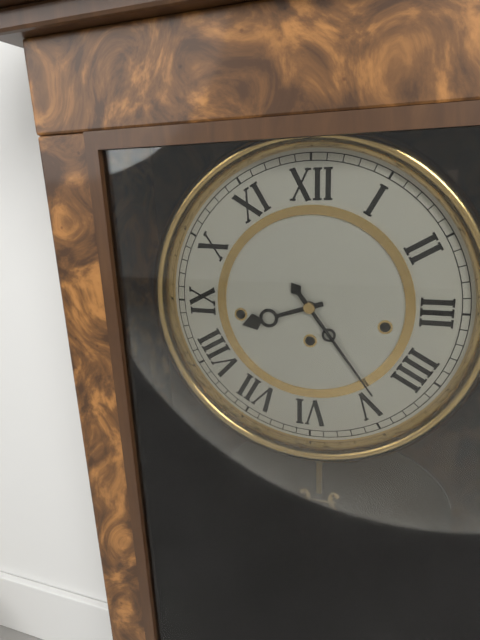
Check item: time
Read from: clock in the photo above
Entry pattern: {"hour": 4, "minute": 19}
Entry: {"hour": 8, "minute": 24}
